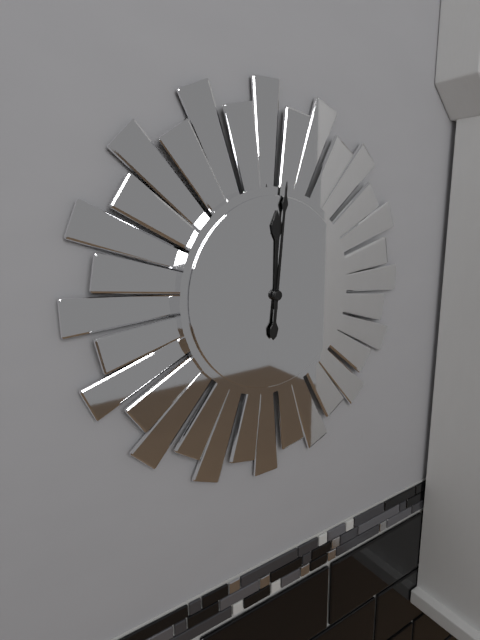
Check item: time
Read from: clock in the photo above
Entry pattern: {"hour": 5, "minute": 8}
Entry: {"hour": 12, "minute": 1}
